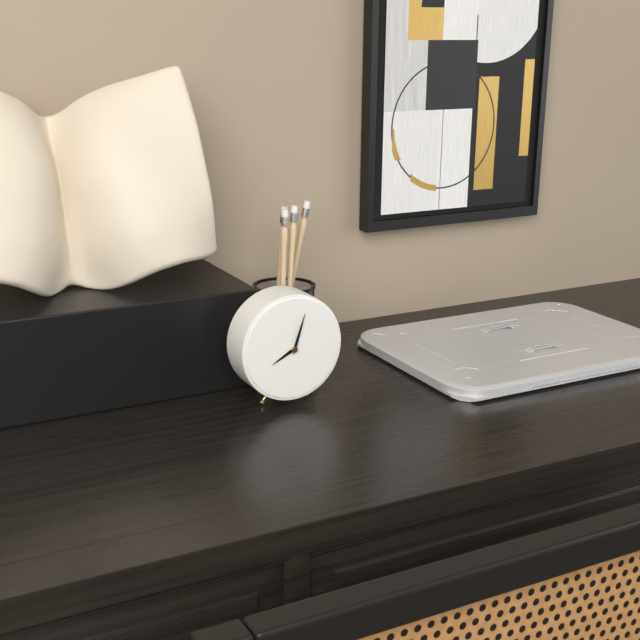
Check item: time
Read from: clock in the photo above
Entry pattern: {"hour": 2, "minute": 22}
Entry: {"hour": 8, "minute": 3}
